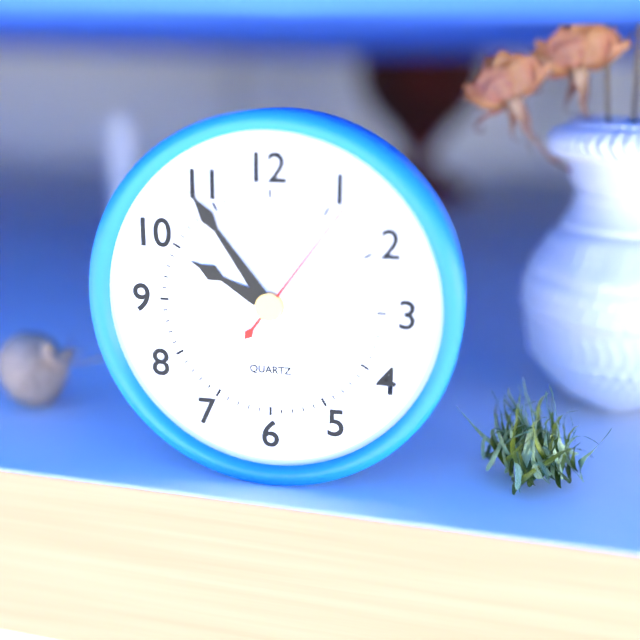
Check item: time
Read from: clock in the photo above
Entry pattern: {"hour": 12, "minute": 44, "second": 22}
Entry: {"hour": 9, "minute": 54, "second": 6}
